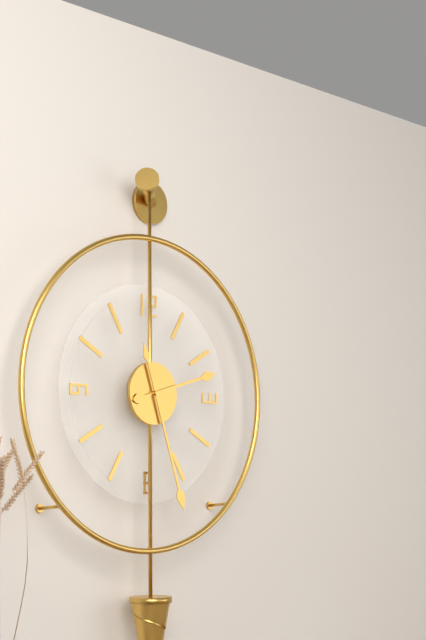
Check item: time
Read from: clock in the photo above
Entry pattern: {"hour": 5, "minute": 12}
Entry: {"hour": 2, "minute": 27}
